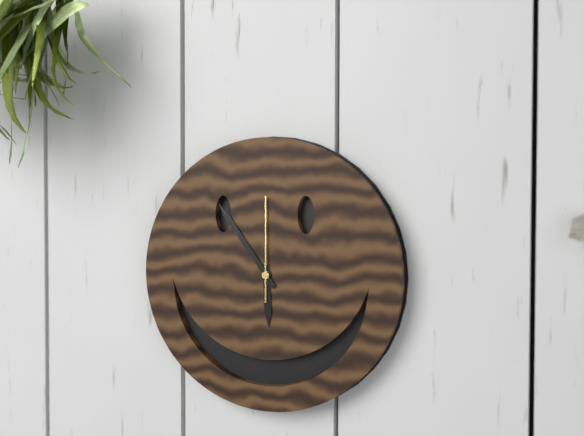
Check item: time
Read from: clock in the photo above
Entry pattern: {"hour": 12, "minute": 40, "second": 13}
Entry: {"hour": 5, "minute": 54, "second": 0}
